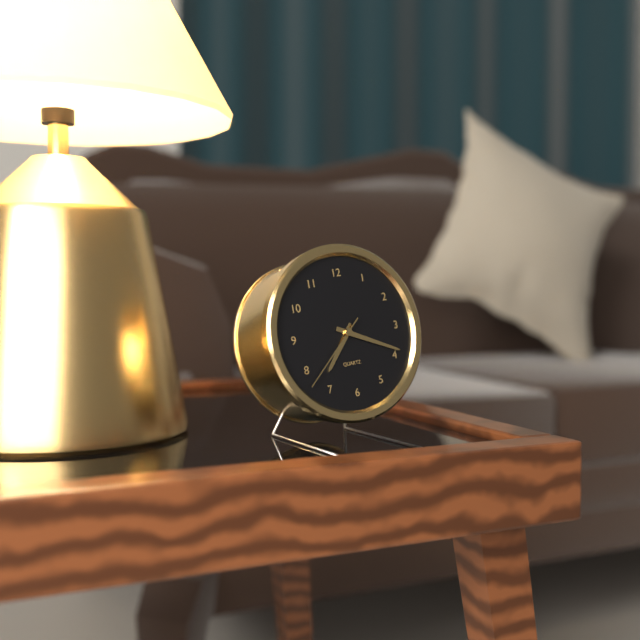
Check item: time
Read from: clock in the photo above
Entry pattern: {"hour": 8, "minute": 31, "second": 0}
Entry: {"hour": 7, "minute": 19, "second": 38}
